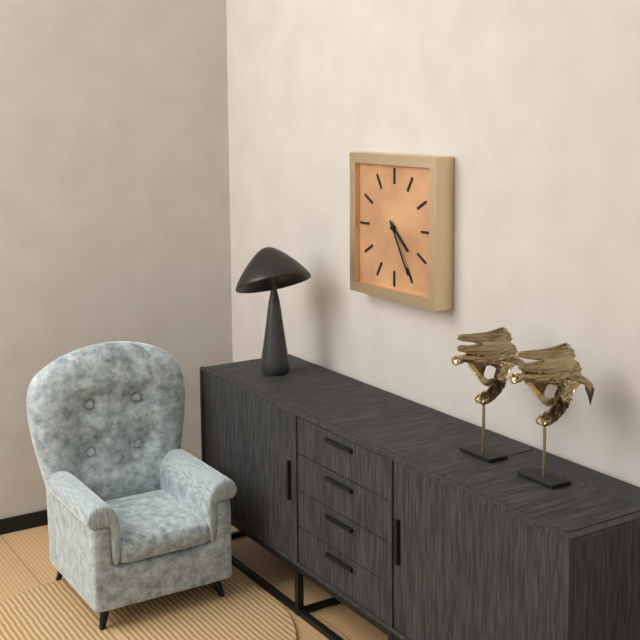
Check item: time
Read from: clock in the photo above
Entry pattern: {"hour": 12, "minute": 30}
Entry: {"hour": 4, "minute": 25}
